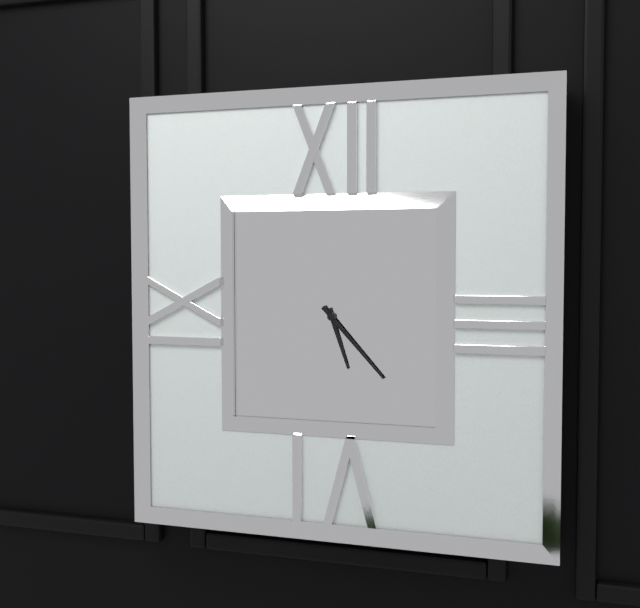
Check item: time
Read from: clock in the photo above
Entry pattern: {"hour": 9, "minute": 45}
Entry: {"hour": 5, "minute": 23}
